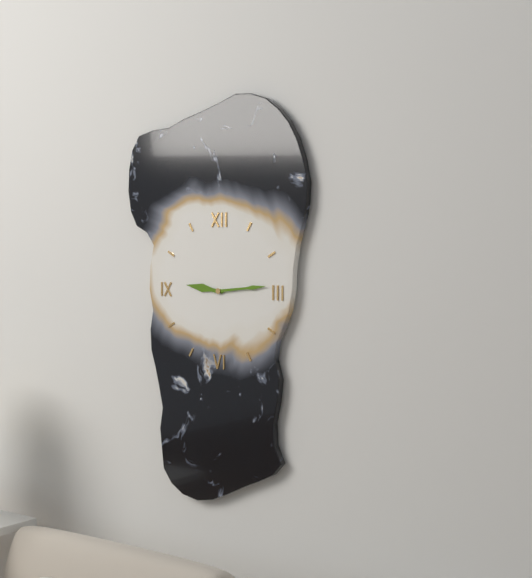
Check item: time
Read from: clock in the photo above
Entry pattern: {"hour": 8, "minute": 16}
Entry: {"hour": 9, "minute": 14}
